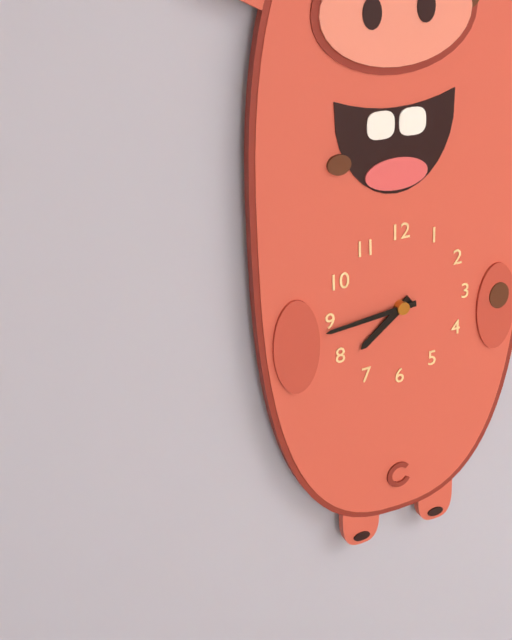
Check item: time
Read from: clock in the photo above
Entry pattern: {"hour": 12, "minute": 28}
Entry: {"hour": 7, "minute": 44}
